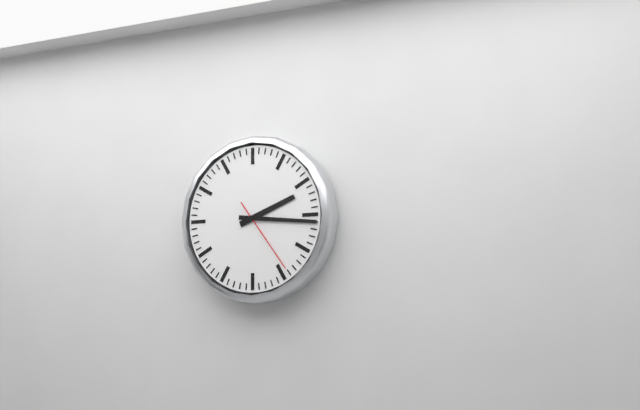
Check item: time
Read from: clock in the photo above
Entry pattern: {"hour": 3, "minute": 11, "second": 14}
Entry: {"hour": 2, "minute": 16, "second": 24}
